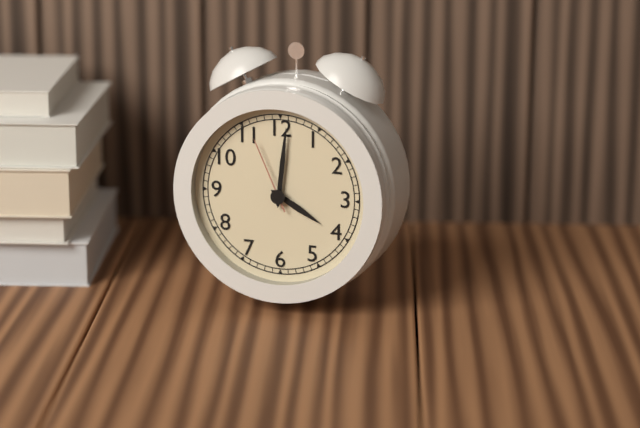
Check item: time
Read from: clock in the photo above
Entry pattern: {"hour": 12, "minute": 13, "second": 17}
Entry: {"hour": 4, "minute": 1, "second": 56}
